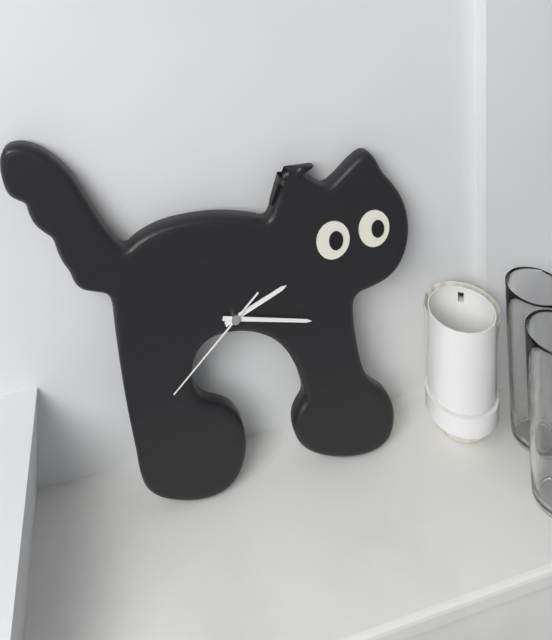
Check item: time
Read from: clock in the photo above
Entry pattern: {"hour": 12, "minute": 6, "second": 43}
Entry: {"hour": 2, "minute": 17, "second": 38}
